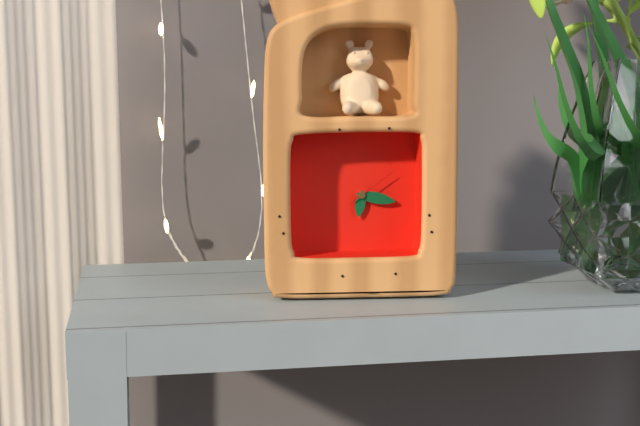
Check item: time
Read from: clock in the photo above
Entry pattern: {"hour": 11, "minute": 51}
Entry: {"hour": 6, "minute": 17}
